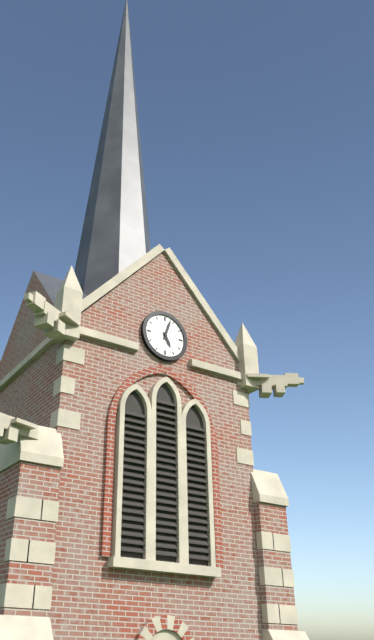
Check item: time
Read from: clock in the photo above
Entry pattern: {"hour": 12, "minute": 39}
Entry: {"hour": 5, "minute": 3}
